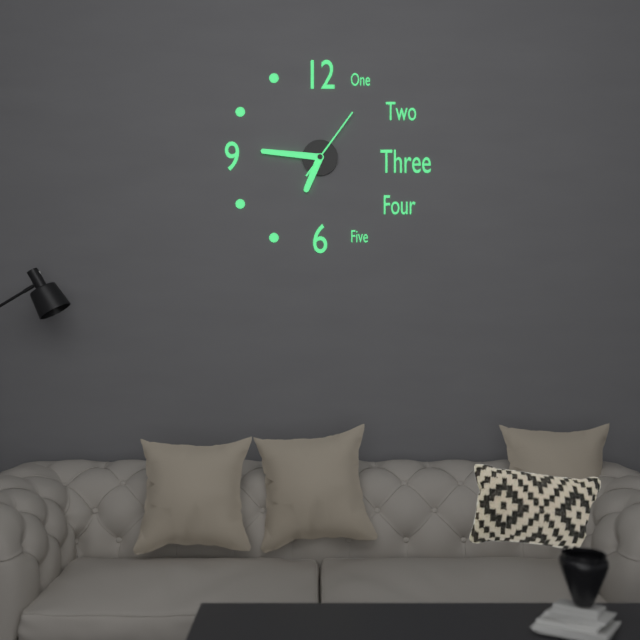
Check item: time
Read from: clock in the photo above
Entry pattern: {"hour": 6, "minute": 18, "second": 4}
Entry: {"hour": 6, "minute": 46, "second": 6}
